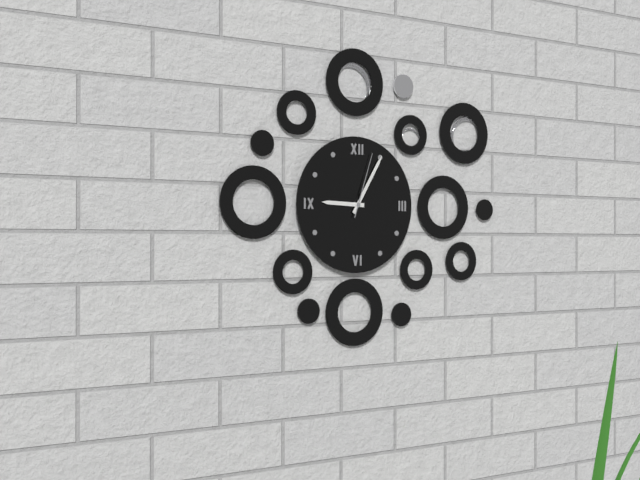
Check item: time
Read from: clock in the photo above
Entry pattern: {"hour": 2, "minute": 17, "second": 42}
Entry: {"hour": 9, "minute": 5, "second": 3}
